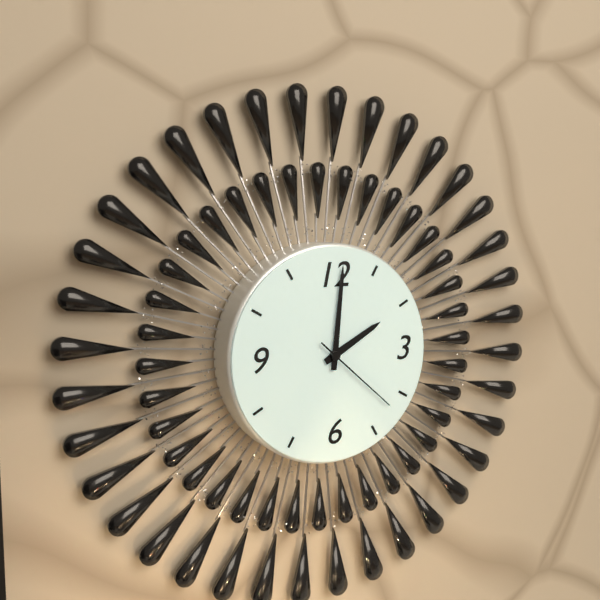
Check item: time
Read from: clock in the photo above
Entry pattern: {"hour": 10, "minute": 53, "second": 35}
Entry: {"hour": 2, "minute": 1, "second": 22}
